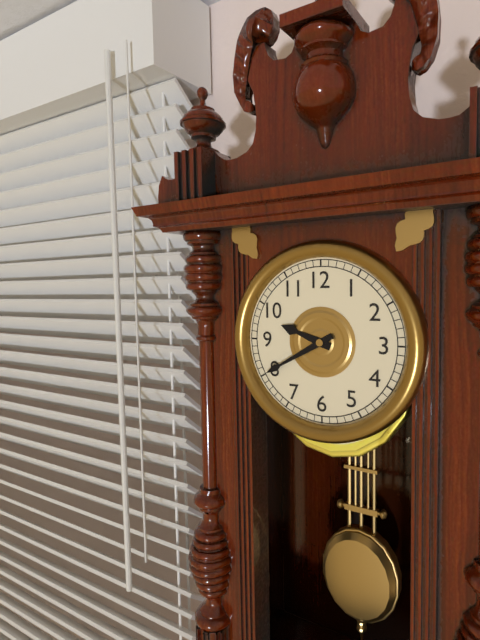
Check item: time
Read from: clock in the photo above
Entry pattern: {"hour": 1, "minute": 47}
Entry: {"hour": 9, "minute": 40}
